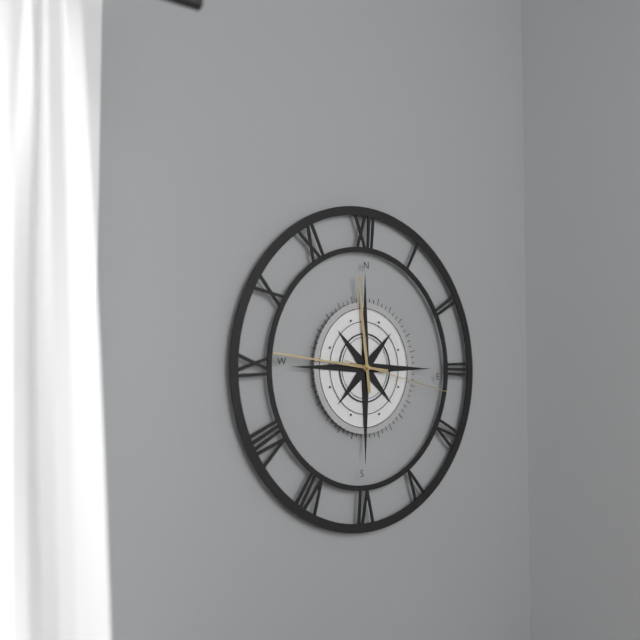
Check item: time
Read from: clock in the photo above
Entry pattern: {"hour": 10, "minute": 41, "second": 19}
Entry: {"hour": 11, "minute": 46, "second": 17}
